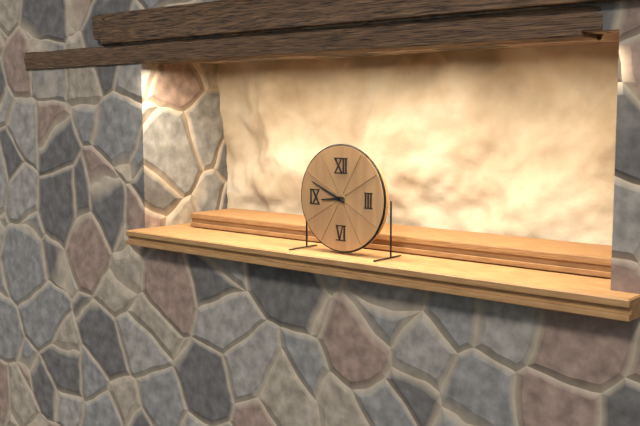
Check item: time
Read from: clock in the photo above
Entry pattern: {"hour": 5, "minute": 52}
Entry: {"hour": 8, "minute": 49}
